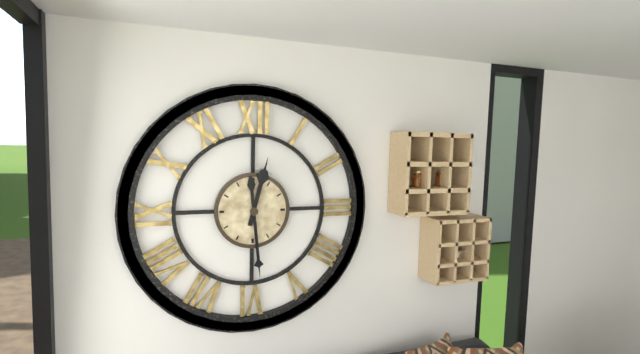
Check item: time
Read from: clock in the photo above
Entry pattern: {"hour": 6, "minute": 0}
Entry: {"hour": 12, "minute": 29}
